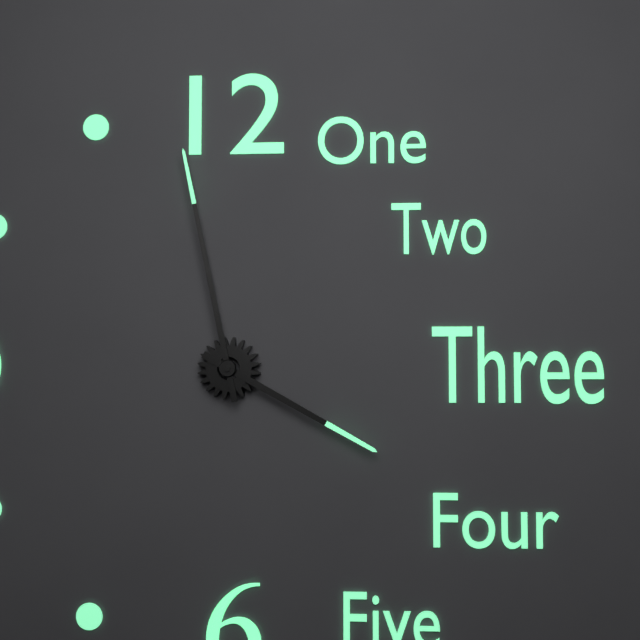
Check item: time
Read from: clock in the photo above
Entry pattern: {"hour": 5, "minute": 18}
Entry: {"hour": 3, "minute": 58}
